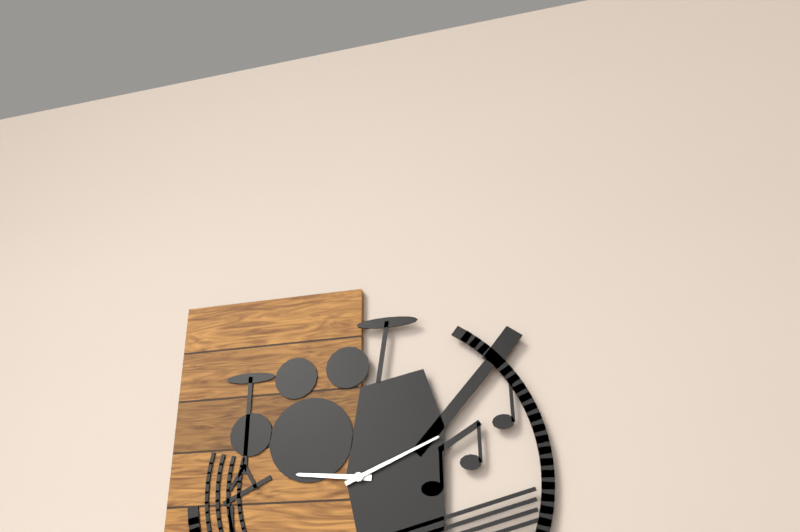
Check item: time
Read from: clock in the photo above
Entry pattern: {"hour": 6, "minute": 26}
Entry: {"hour": 9, "minute": 11}
